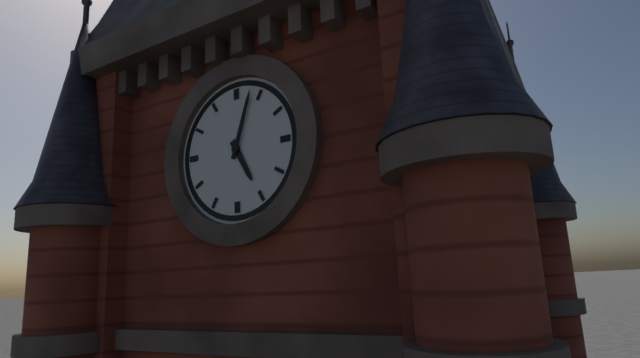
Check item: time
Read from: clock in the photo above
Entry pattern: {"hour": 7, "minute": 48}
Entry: {"hour": 5, "minute": 3}
